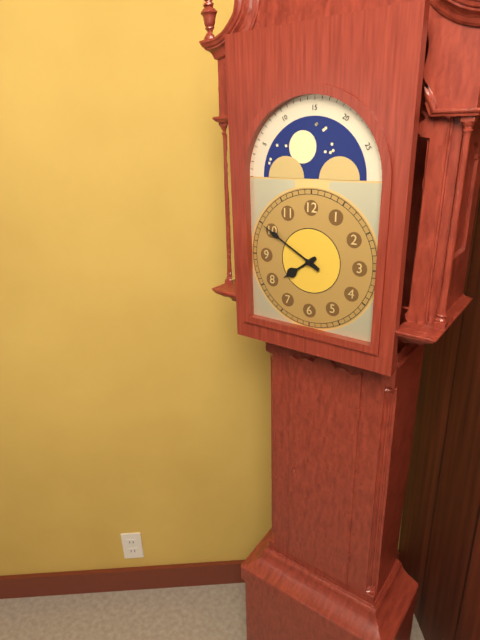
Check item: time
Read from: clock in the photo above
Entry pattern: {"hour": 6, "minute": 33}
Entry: {"hour": 7, "minute": 50}
